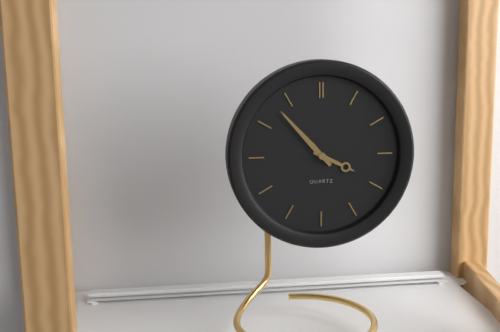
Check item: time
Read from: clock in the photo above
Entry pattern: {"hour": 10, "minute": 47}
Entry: {"hour": 3, "minute": 53}
